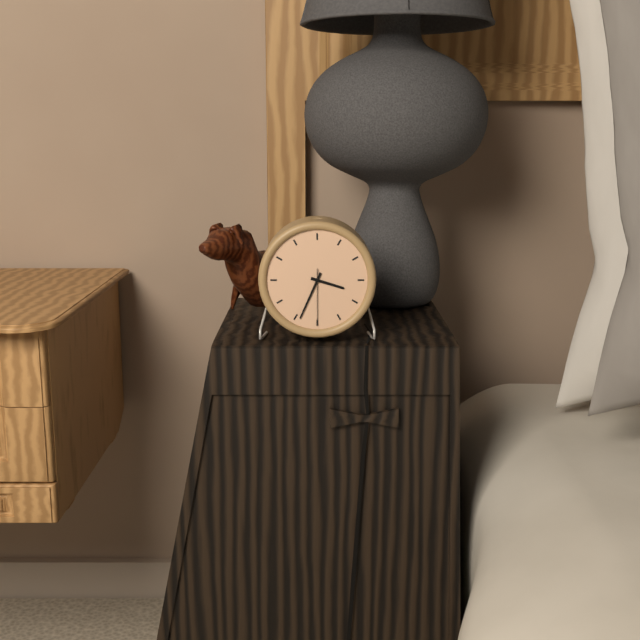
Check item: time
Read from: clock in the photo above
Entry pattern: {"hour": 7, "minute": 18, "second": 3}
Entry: {"hour": 3, "minute": 34, "second": 30}
